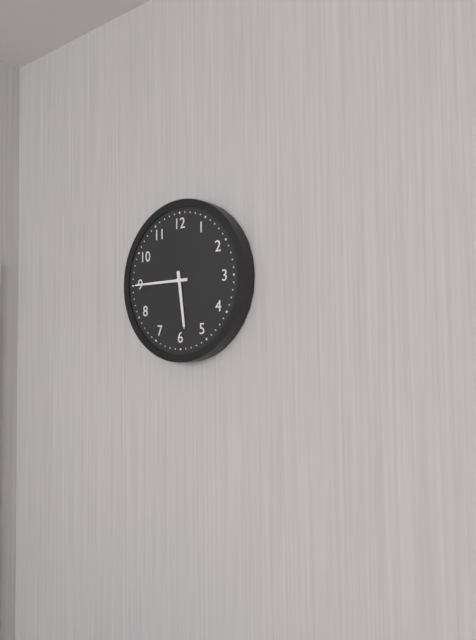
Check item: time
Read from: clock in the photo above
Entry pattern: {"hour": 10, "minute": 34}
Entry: {"hour": 5, "minute": 45}
